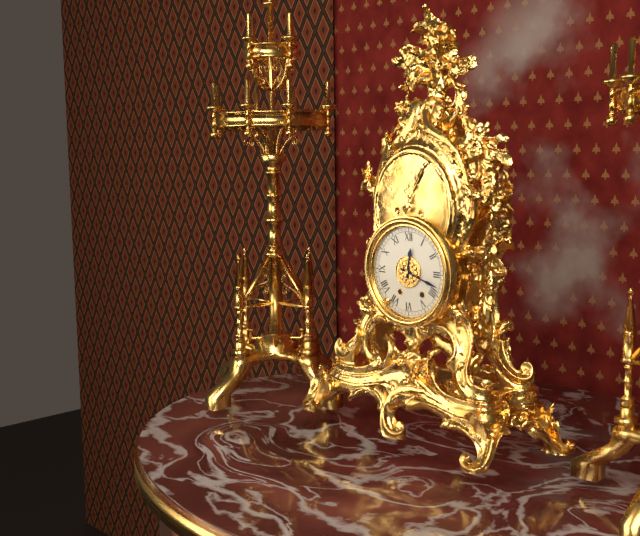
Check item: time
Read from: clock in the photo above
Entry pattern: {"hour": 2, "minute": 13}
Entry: {"hour": 12, "minute": 18}
